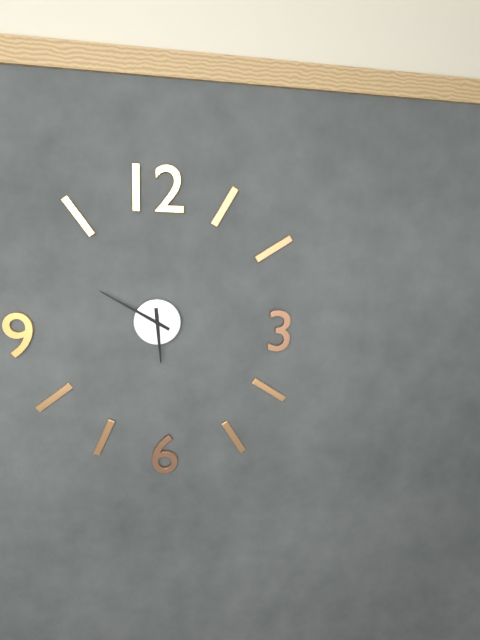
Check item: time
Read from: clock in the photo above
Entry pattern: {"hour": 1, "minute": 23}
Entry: {"hour": 5, "minute": 50}
